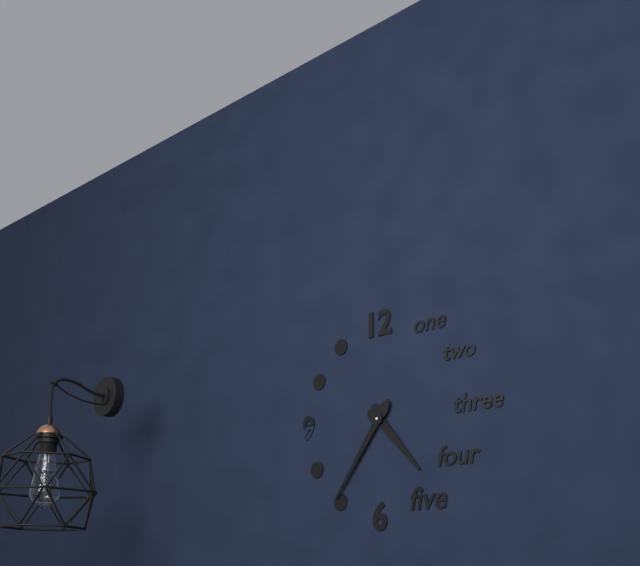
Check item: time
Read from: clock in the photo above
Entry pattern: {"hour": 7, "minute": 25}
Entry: {"hour": 4, "minute": 36}
